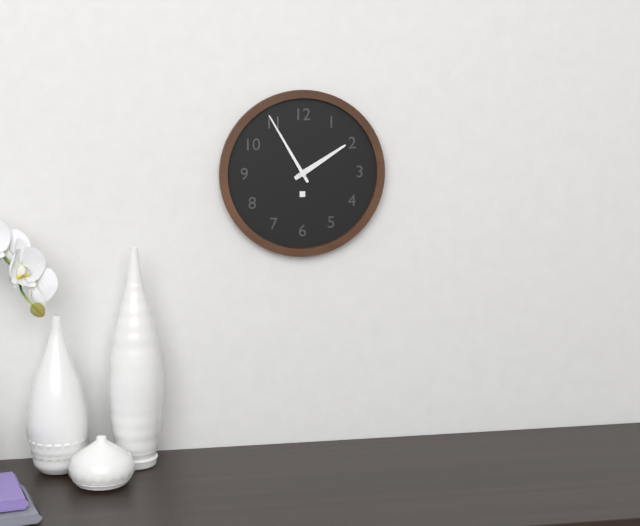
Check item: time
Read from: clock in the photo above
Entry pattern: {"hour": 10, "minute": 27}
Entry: {"hour": 1, "minute": 55}
